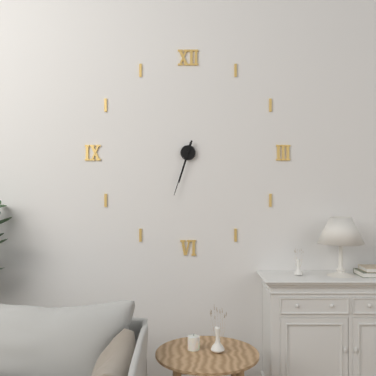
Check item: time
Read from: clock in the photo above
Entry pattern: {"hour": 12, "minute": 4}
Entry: {"hour": 6, "minute": 33}
